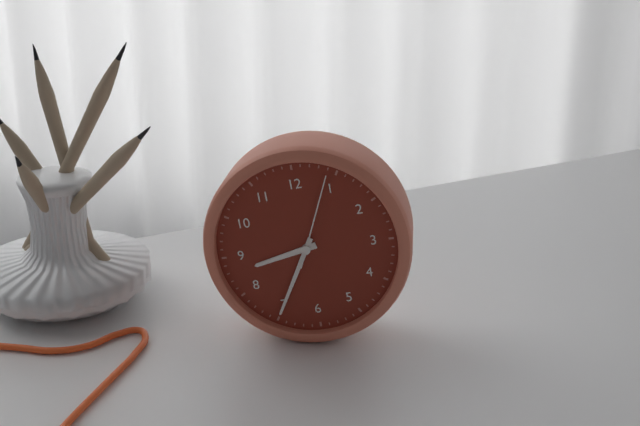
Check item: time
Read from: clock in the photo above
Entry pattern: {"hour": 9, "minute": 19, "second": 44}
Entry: {"hour": 8, "minute": 35, "second": 4}
